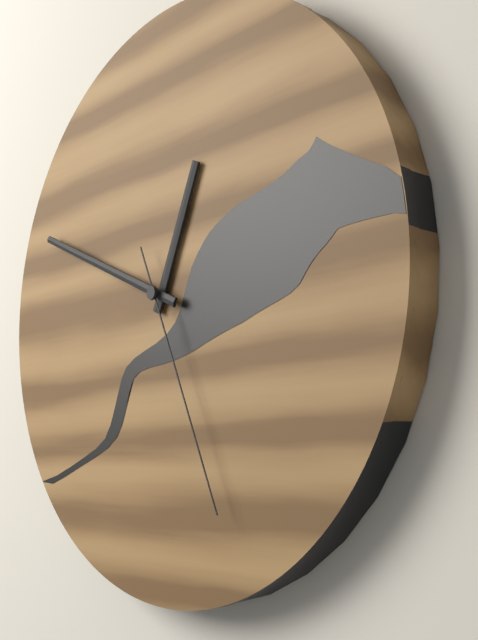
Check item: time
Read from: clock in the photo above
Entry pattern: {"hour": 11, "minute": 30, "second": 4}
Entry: {"hour": 12, "minute": 49, "second": 26}
